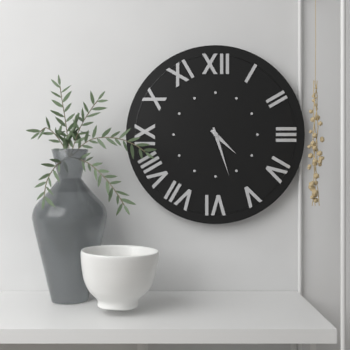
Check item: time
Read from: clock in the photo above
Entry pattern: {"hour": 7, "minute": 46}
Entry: {"hour": 4, "minute": 27}
